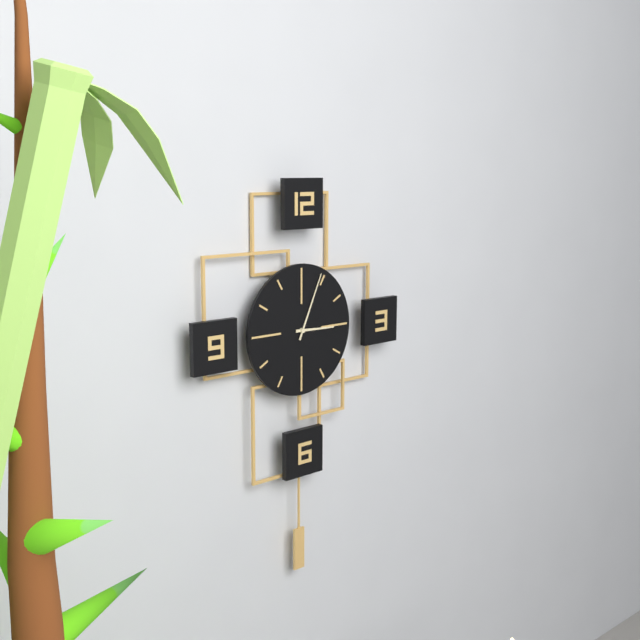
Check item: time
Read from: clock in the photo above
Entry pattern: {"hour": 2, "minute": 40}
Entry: {"hour": 3, "minute": 4}
